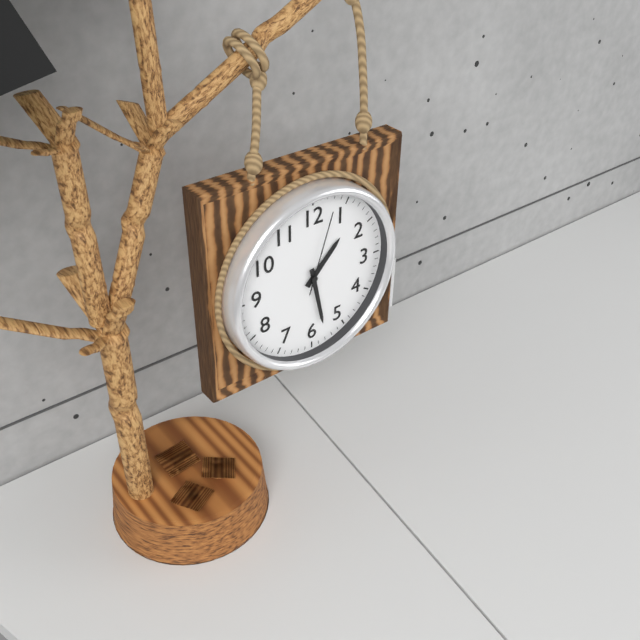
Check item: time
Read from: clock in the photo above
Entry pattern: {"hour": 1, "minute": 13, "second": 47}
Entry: {"hour": 1, "minute": 28, "second": 3}
